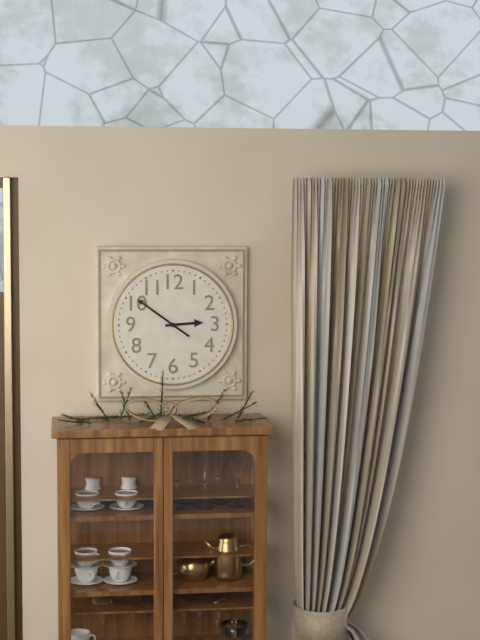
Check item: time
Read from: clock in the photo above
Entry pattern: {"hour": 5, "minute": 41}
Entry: {"hour": 2, "minute": 51}
